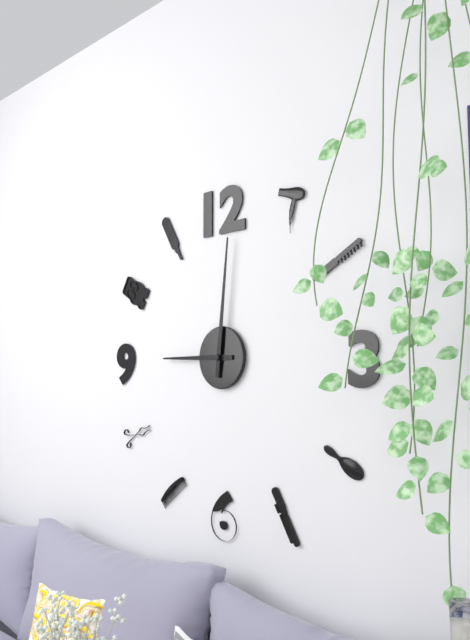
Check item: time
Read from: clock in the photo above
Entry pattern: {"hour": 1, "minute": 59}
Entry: {"hour": 9, "minute": 1}
